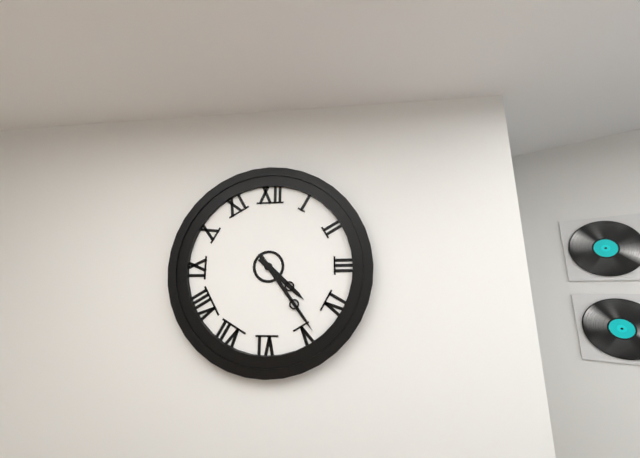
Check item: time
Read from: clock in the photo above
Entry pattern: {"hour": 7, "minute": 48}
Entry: {"hour": 4, "minute": 24}
